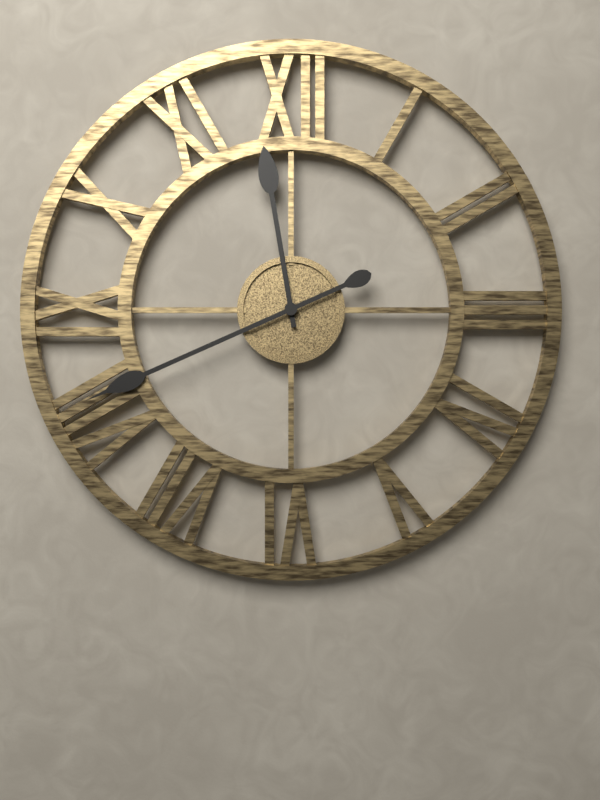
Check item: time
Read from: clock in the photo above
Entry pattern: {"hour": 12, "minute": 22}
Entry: {"hour": 11, "minute": 41}
